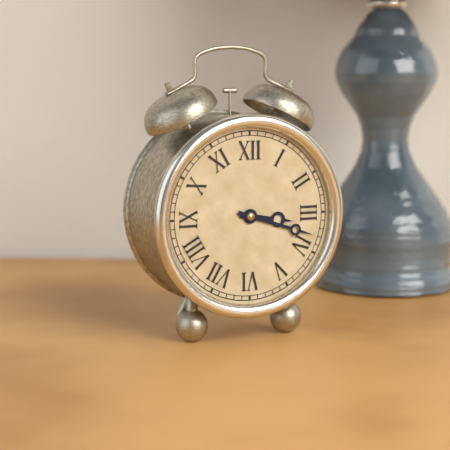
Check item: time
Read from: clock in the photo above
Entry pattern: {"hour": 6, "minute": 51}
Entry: {"hour": 3, "minute": 18}
